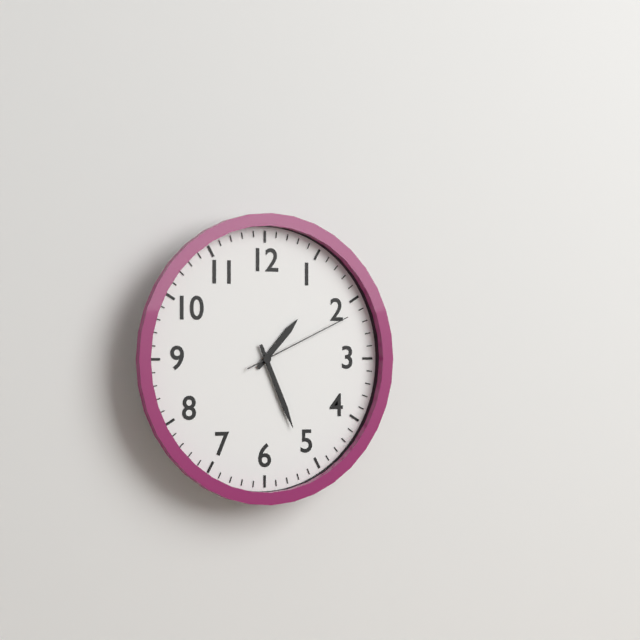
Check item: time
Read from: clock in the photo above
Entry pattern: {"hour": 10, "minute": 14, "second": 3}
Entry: {"hour": 1, "minute": 26, "second": 11}
